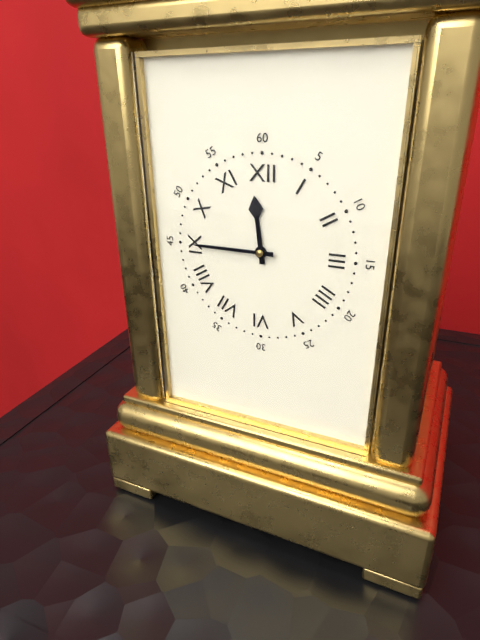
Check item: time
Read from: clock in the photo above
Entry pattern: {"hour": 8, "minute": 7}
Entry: {"hour": 11, "minute": 45}
